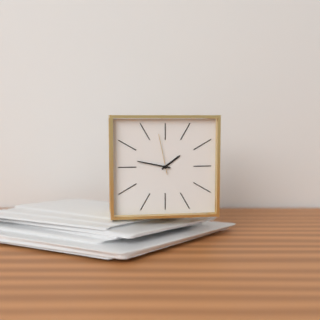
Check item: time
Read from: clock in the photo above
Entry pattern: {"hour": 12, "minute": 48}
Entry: {"hour": 1, "minute": 47}
